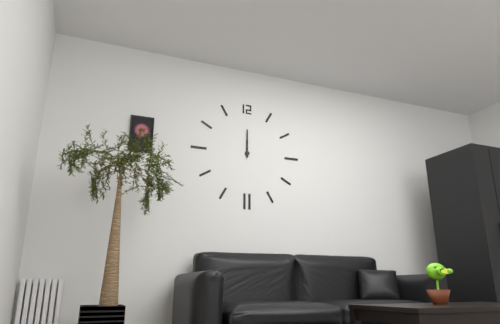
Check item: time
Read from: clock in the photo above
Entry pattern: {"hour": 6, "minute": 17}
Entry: {"hour": 12, "minute": 0}
